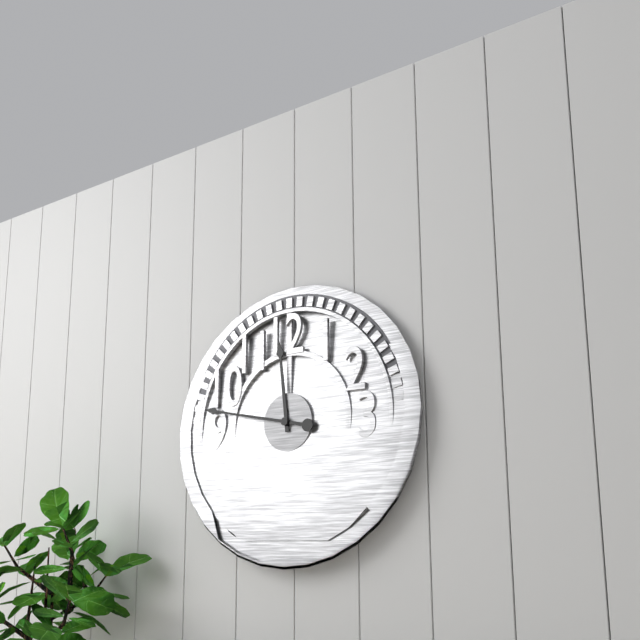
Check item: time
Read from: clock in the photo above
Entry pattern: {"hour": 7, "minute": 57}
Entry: {"hour": 11, "minute": 47}
